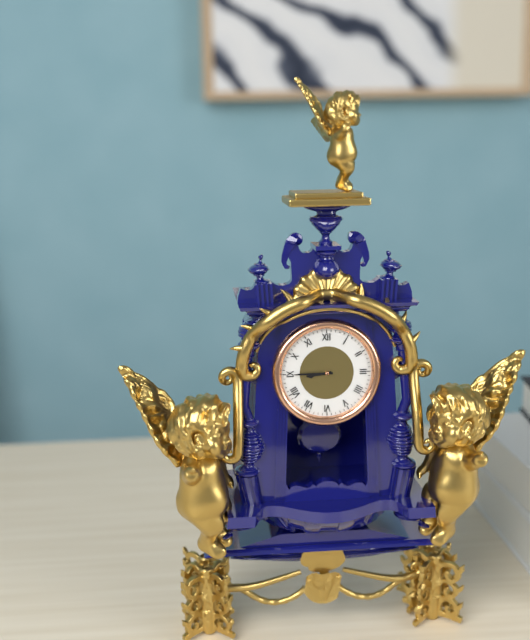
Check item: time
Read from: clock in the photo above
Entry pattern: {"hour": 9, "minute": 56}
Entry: {"hour": 8, "minute": 45}
